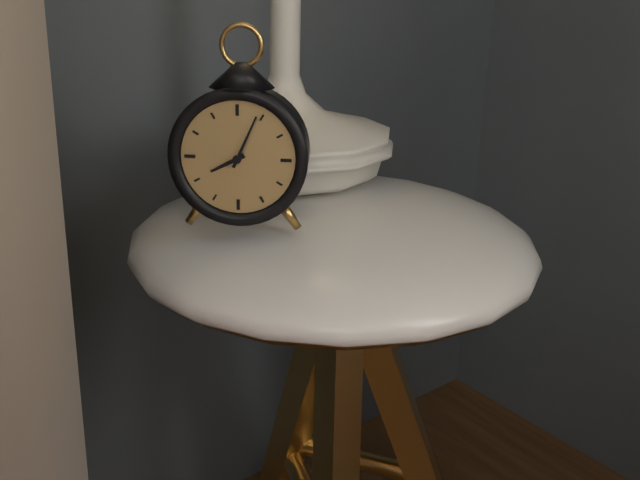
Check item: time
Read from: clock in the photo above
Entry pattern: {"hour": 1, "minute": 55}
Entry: {"hour": 8, "minute": 4}
